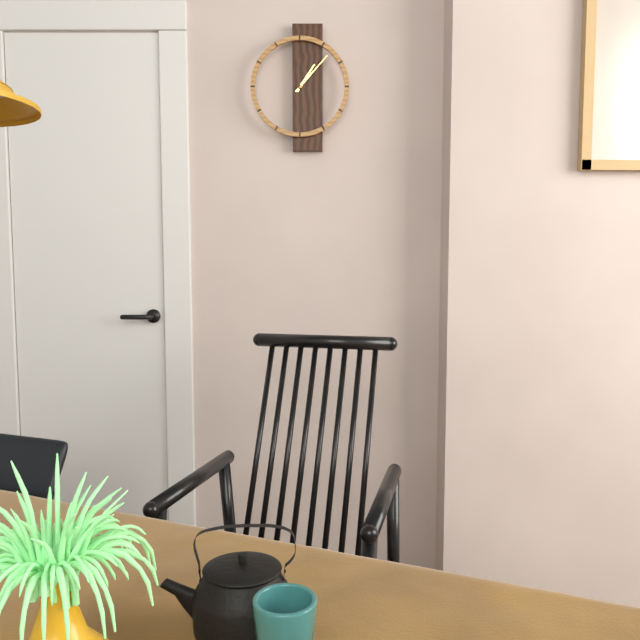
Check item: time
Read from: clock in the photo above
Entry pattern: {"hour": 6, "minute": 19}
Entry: {"hour": 1, "minute": 7}
